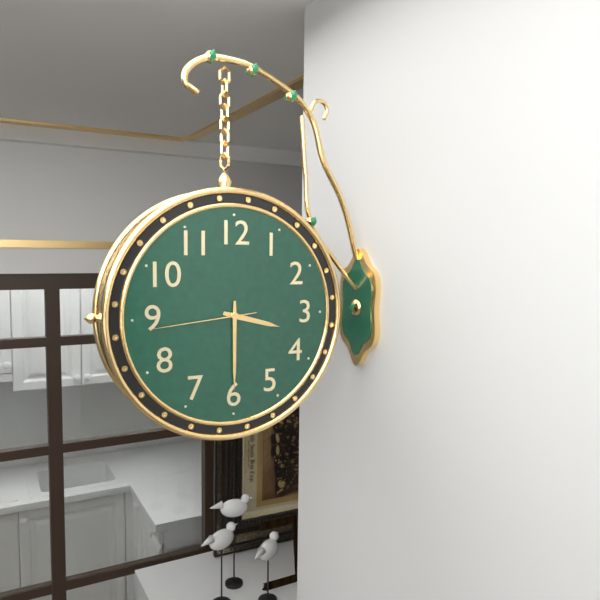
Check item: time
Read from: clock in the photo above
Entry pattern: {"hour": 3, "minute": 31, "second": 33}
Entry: {"hour": 3, "minute": 30, "second": 44}
